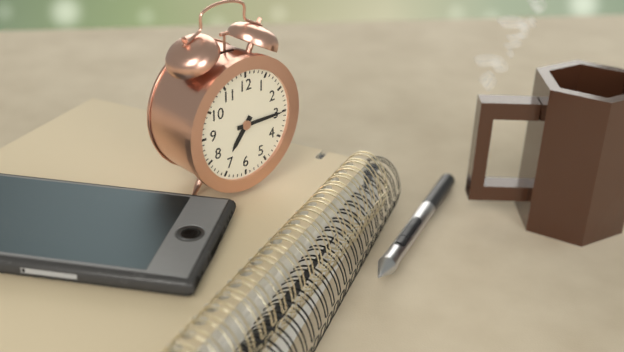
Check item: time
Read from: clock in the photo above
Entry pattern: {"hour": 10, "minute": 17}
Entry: {"hour": 7, "minute": 15}
